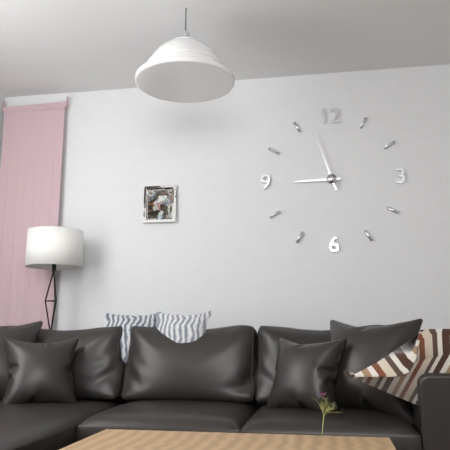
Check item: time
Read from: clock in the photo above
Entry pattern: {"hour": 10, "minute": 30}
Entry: {"hour": 8, "minute": 57}
